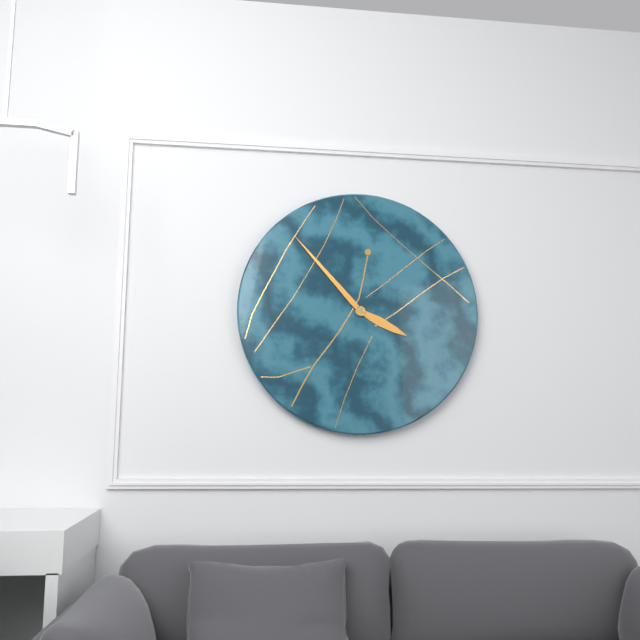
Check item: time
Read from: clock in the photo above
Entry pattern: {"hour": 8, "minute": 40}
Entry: {"hour": 3, "minute": 53}
